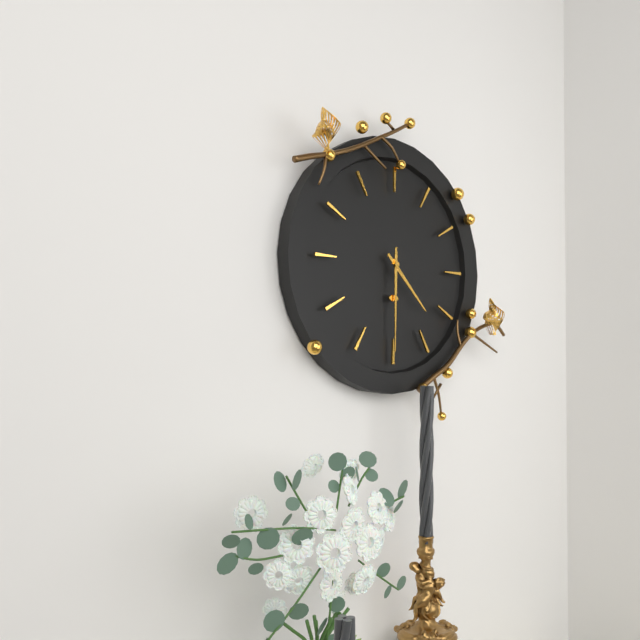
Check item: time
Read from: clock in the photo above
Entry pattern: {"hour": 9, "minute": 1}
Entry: {"hour": 4, "minute": 30}
